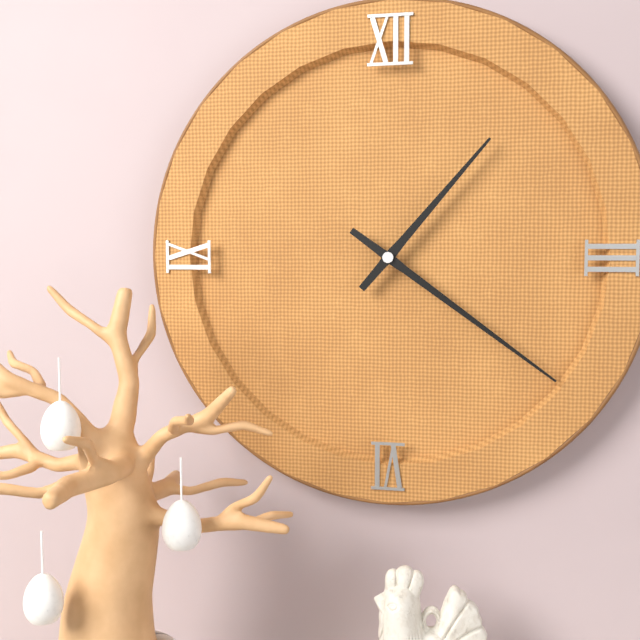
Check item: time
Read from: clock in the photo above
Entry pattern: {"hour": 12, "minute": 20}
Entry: {"hour": 1, "minute": 21}
